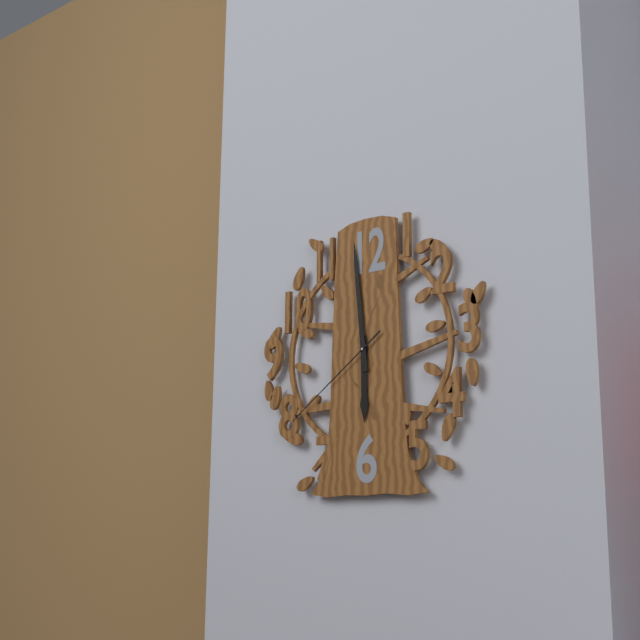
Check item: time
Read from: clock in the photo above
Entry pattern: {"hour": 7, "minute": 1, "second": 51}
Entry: {"hour": 5, "minute": 59, "second": 39}
